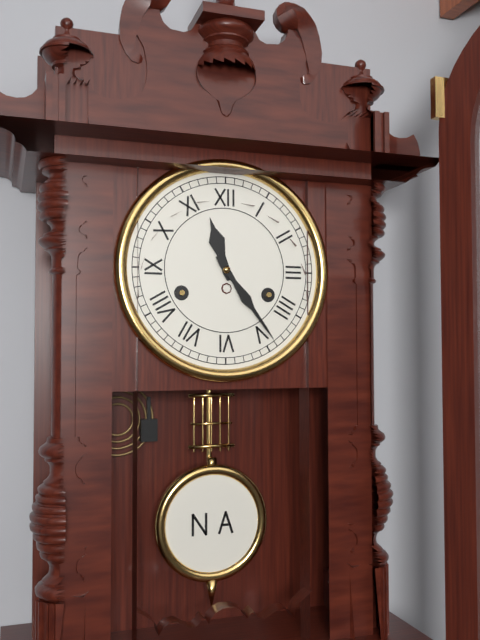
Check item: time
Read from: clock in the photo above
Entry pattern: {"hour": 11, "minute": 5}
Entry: {"hour": 11, "minute": 24}
